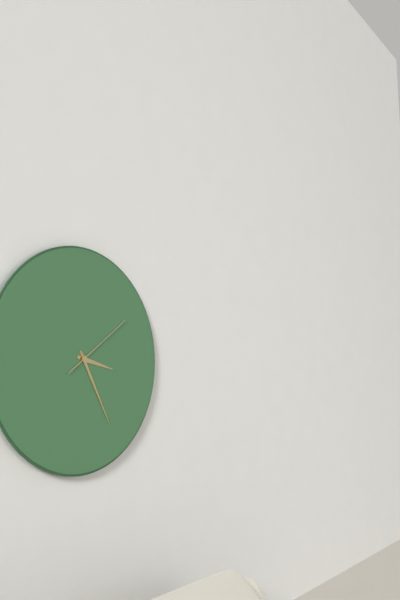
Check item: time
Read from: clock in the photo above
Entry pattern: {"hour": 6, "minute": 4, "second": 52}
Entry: {"hour": 3, "minute": 25, "second": 9}
